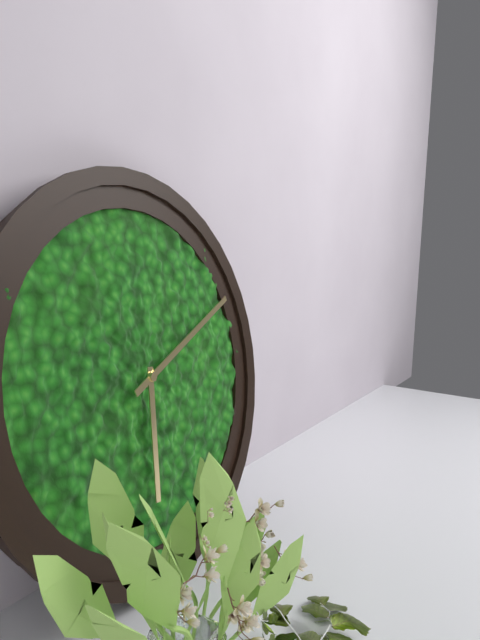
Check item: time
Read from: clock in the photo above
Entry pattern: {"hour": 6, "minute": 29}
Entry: {"hour": 6, "minute": 11}
